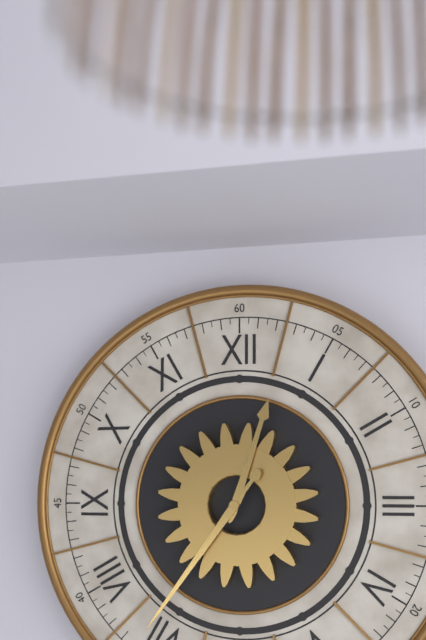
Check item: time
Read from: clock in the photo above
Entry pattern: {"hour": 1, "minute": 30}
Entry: {"hour": 12, "minute": 36}
